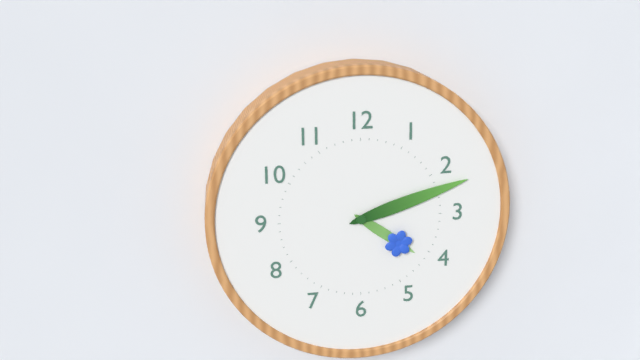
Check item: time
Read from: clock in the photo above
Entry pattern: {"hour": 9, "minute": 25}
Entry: {"hour": 4, "minute": 12}
